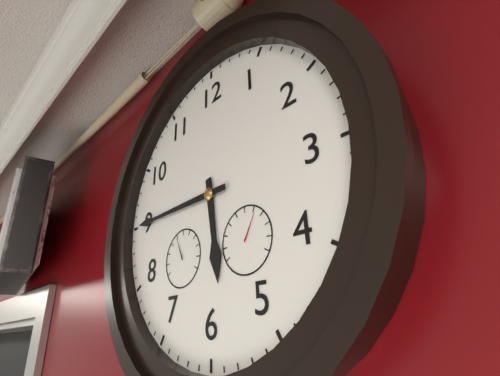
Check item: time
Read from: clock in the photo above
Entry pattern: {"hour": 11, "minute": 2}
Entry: {"hour": 5, "minute": 45}
